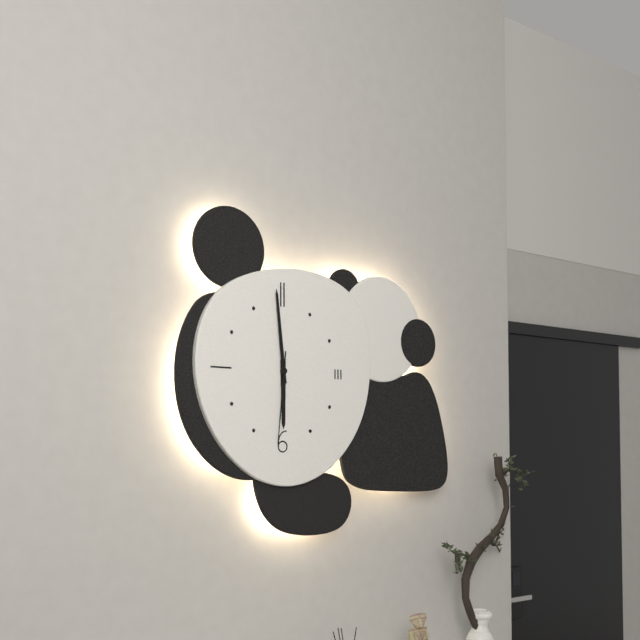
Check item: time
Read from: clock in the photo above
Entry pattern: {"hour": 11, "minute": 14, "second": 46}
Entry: {"hour": 5, "minute": 59, "second": 31}
